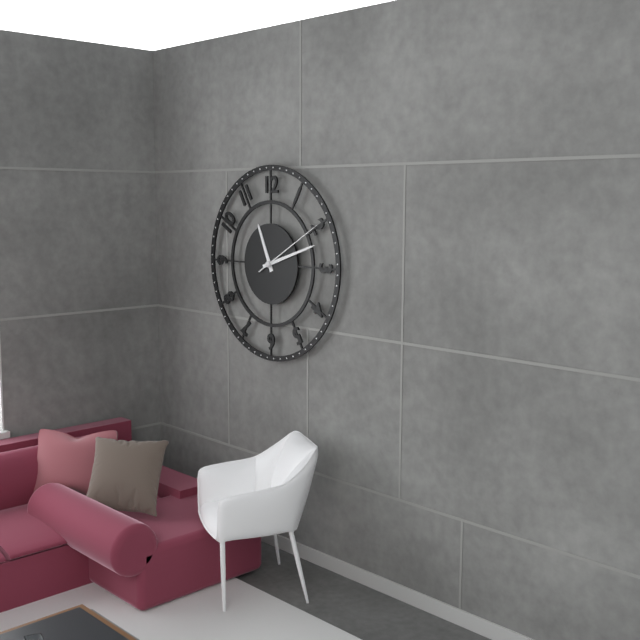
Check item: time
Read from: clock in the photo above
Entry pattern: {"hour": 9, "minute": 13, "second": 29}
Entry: {"hour": 11, "minute": 12, "second": 10}
